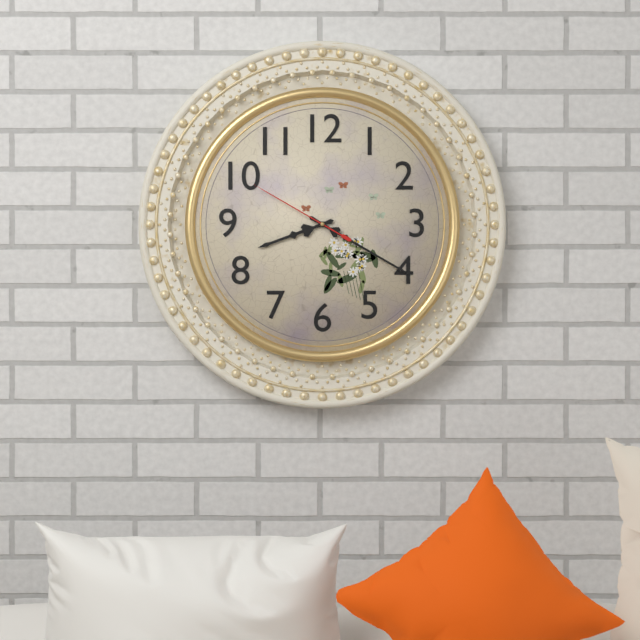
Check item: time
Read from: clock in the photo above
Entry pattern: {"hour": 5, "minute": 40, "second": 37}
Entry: {"hour": 8, "minute": 20, "second": 50}
